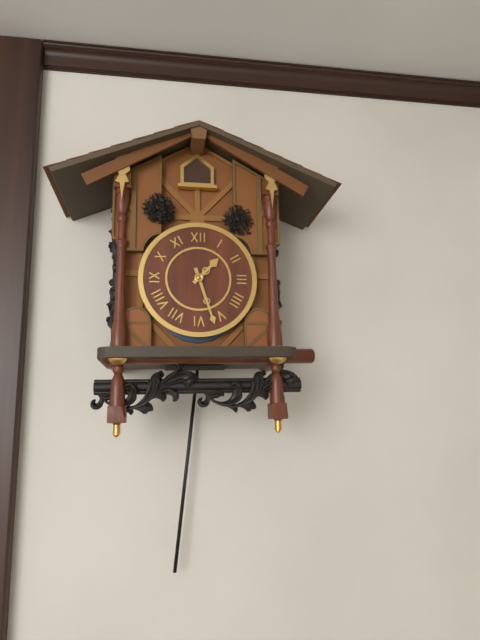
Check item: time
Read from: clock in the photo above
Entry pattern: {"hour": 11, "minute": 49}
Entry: {"hour": 1, "minute": 27}
